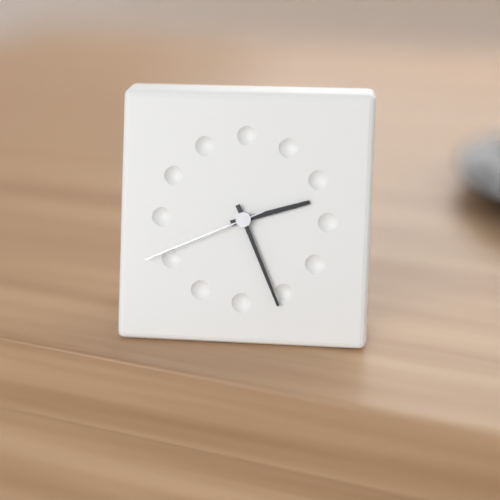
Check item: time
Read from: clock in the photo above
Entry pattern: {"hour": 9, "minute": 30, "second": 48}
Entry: {"hour": 2, "minute": 26, "second": 41}
